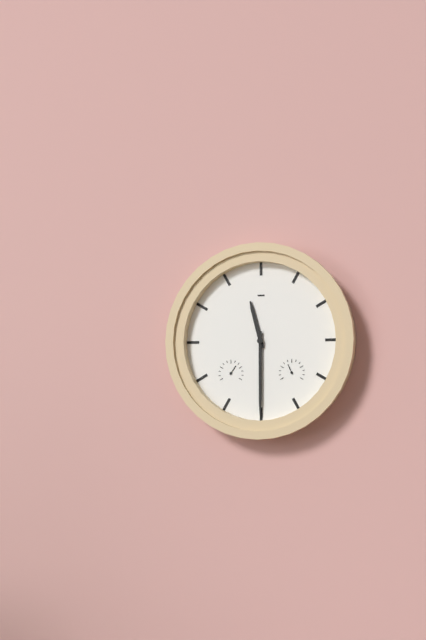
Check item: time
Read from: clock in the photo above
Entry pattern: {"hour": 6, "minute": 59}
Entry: {"hour": 11, "minute": 30}
